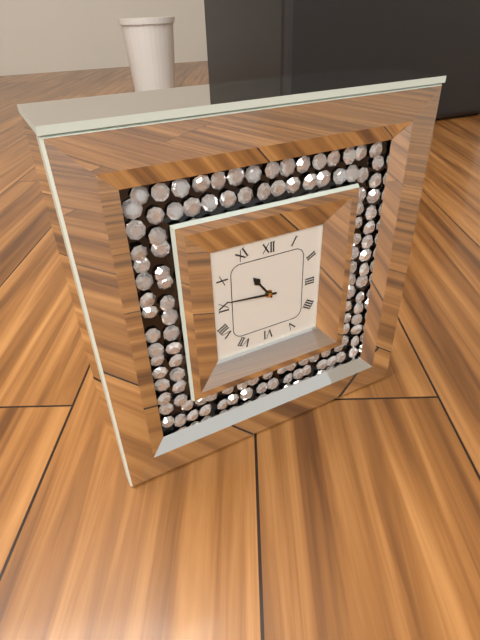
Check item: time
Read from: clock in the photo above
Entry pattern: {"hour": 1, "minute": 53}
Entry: {"hour": 10, "minute": 46}
